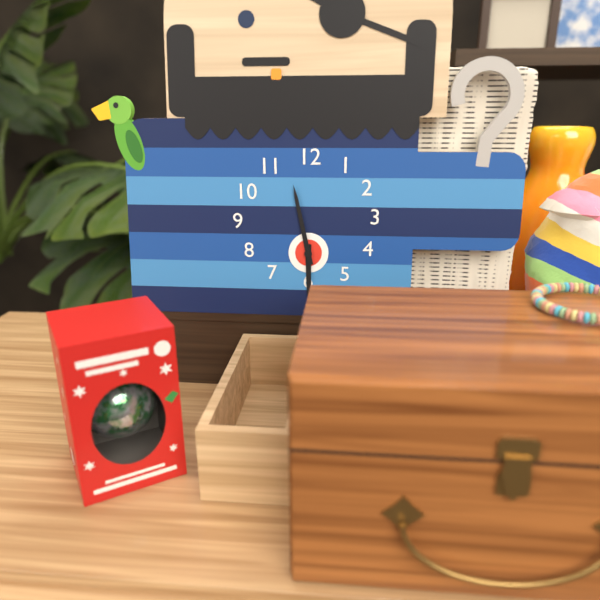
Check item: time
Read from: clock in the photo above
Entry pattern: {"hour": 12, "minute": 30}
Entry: {"hour": 5, "minute": 58}
